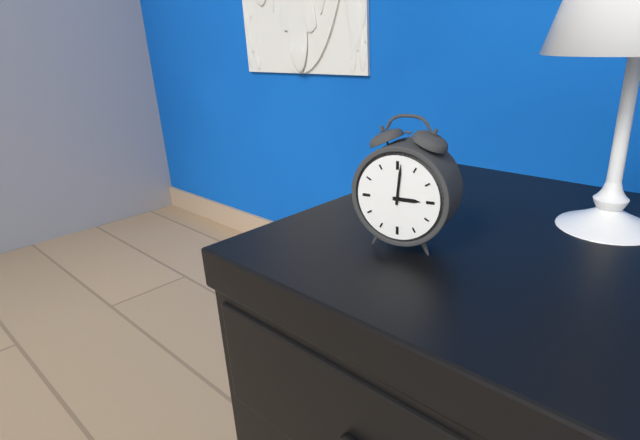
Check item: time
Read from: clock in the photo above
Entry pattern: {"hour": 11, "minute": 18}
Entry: {"hour": 3, "minute": 1}
